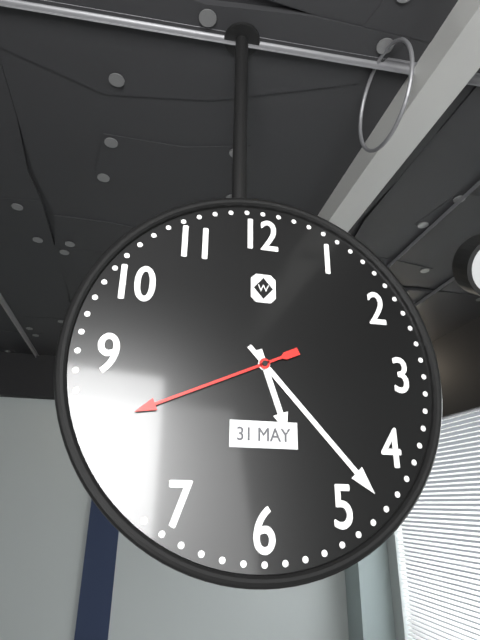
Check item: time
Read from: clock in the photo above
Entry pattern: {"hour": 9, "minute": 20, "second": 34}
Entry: {"hour": 5, "minute": 23, "second": 41}
